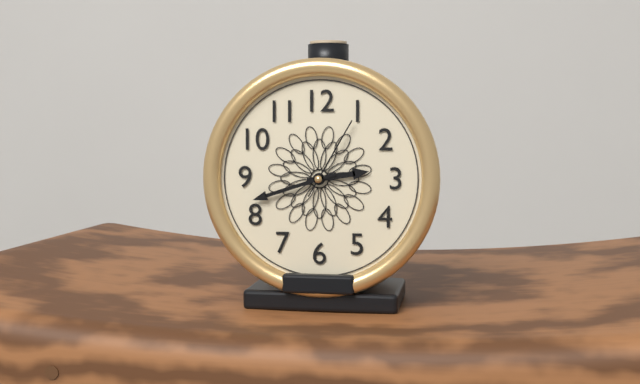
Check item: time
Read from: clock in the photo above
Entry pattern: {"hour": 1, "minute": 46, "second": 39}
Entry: {"hour": 2, "minute": 42, "second": 5}
